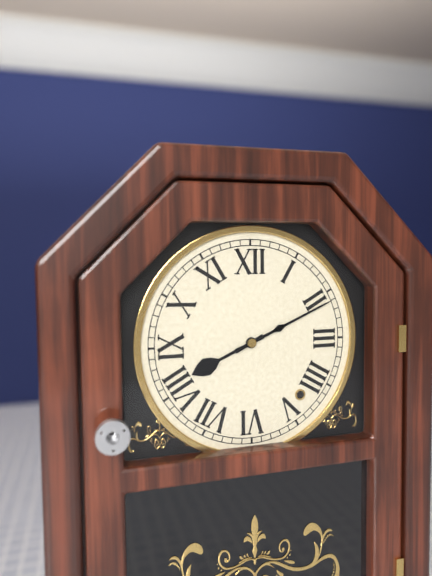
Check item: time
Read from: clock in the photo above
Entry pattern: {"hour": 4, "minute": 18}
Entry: {"hour": 8, "minute": 11}
